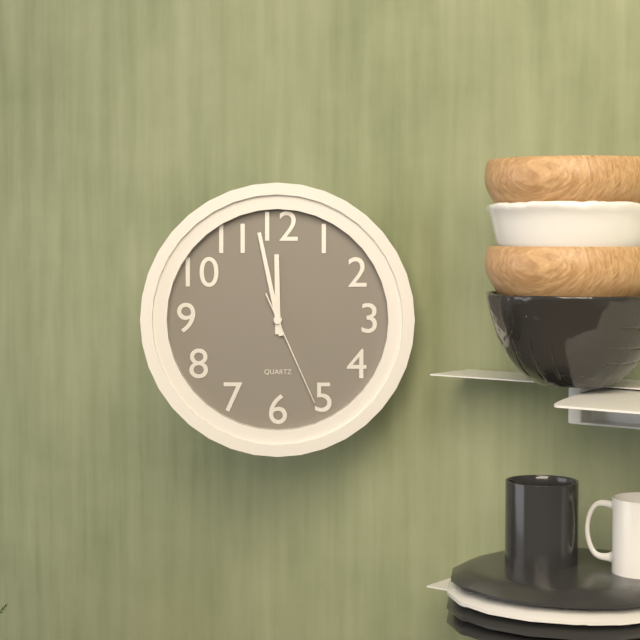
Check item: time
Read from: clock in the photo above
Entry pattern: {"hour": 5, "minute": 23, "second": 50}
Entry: {"hour": 11, "minute": 58, "second": 26}
